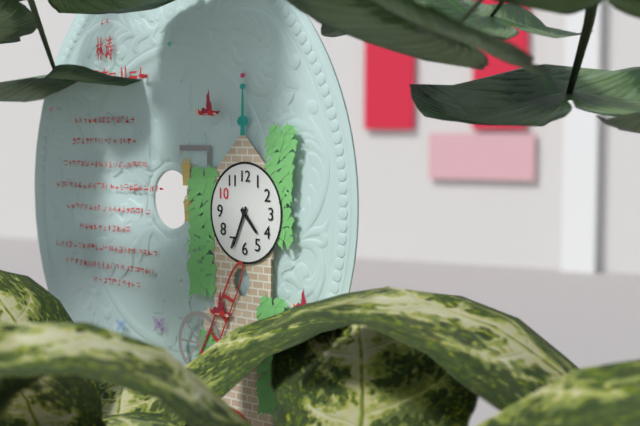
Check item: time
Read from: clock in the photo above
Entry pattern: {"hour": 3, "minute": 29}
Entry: {"hour": 4, "minute": 34}
